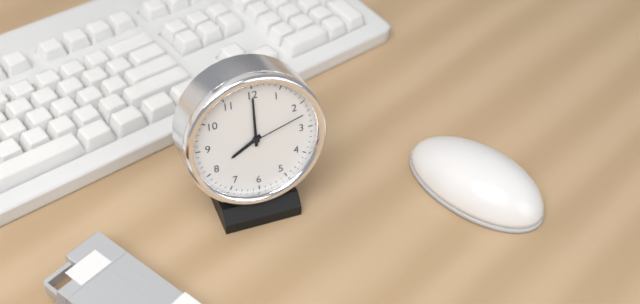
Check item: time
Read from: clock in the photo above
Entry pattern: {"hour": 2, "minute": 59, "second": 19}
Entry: {"hour": 8, "minute": 0, "second": 12}
